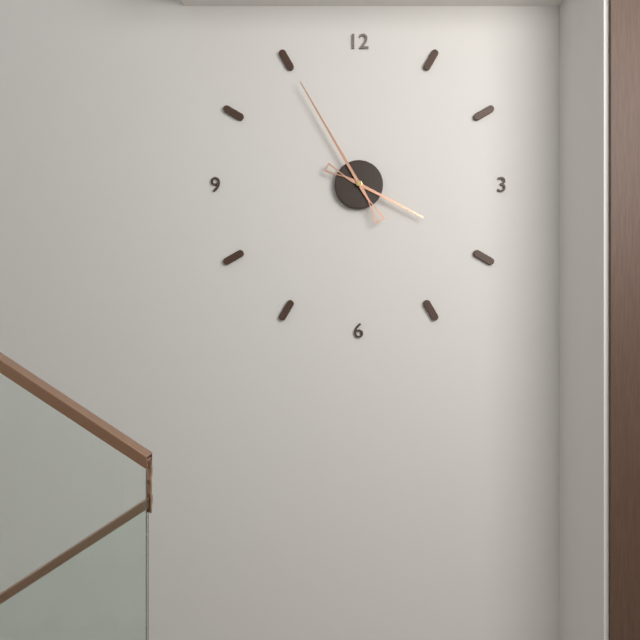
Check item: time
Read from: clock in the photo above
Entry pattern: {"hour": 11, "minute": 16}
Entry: {"hour": 3, "minute": 55}
